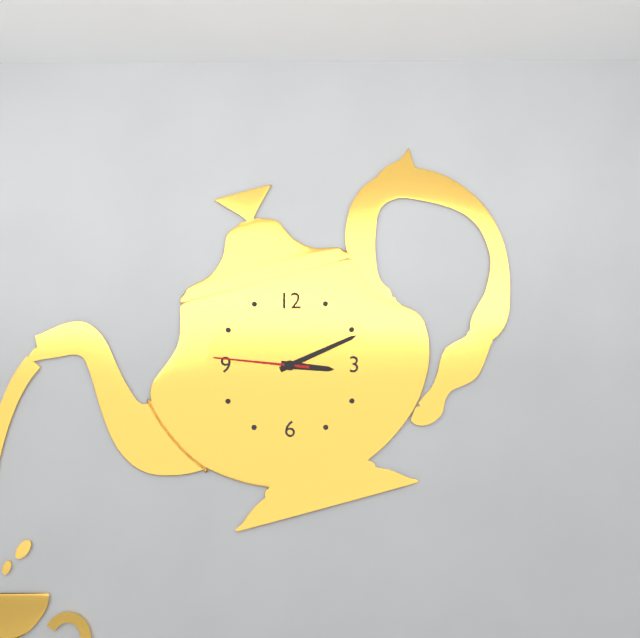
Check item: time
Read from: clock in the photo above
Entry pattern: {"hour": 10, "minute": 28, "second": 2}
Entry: {"hour": 3, "minute": 11, "second": 46}
